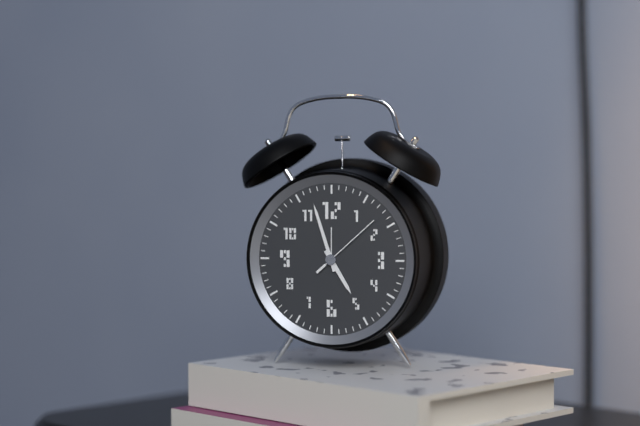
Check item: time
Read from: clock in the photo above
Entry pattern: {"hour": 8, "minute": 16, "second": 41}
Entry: {"hour": 4, "minute": 57, "second": 8}
